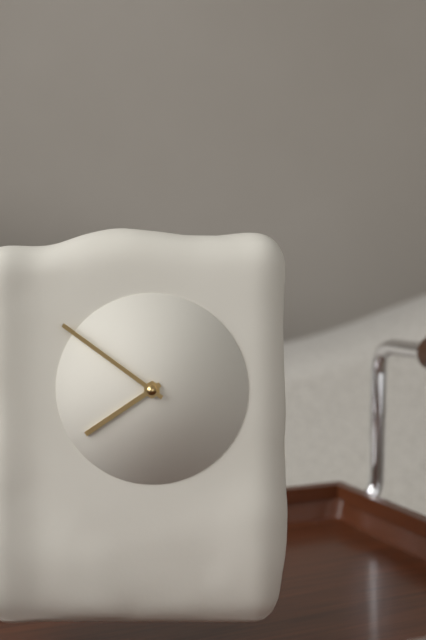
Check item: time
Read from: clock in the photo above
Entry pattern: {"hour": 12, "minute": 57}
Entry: {"hour": 7, "minute": 51}
